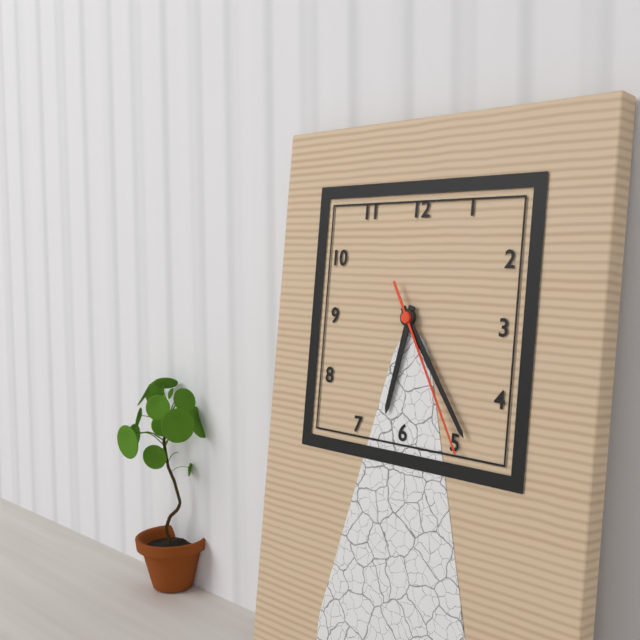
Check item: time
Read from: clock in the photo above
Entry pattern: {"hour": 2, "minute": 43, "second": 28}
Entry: {"hour": 6, "minute": 24, "second": 25}
